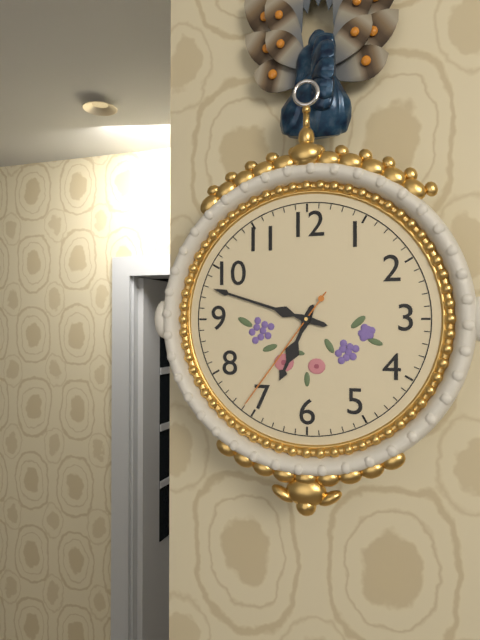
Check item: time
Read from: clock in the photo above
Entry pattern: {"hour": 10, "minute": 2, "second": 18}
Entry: {"hour": 6, "minute": 48, "second": 36}
